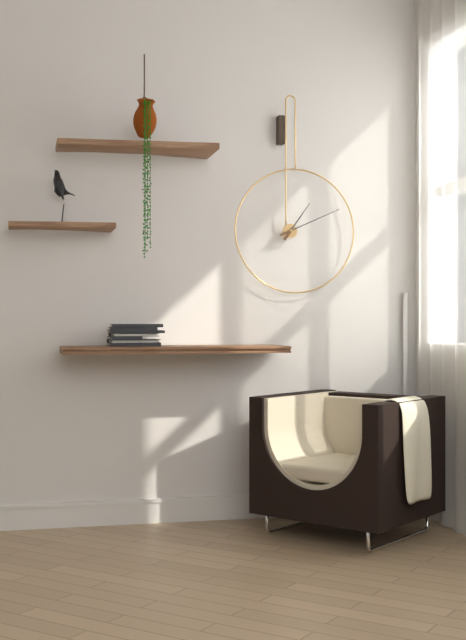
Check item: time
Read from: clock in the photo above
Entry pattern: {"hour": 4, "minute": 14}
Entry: {"hour": 1, "minute": 11}
